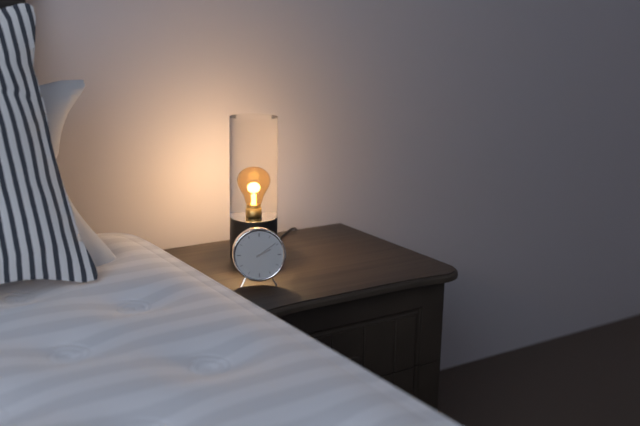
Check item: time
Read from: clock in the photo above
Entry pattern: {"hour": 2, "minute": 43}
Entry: {"hour": 2, "minute": 9}
